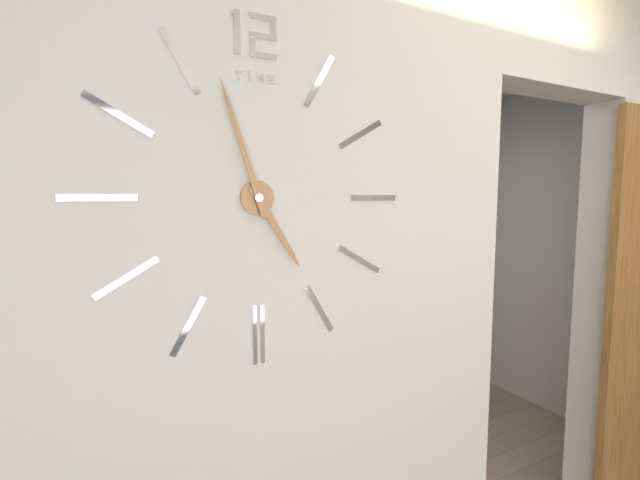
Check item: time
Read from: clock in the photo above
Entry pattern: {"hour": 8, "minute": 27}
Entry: {"hour": 4, "minute": 57}
